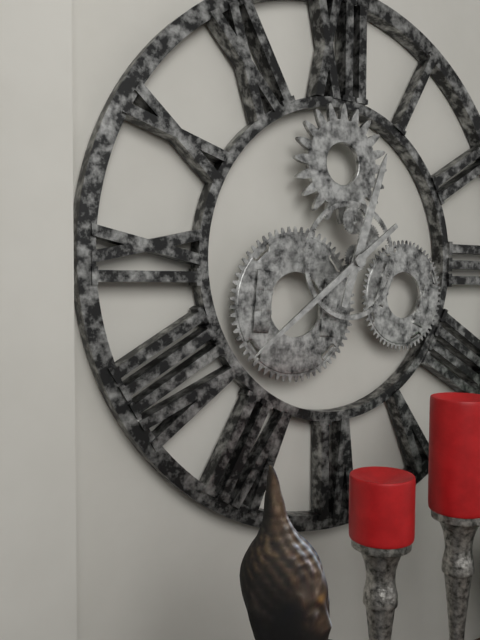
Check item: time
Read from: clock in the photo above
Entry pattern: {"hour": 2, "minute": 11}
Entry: {"hour": 12, "minute": 39}
